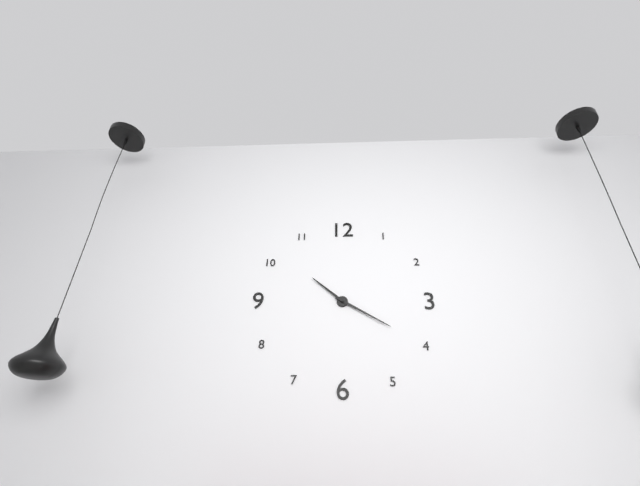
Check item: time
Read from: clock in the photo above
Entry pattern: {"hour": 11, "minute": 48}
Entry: {"hour": 10, "minute": 20}
